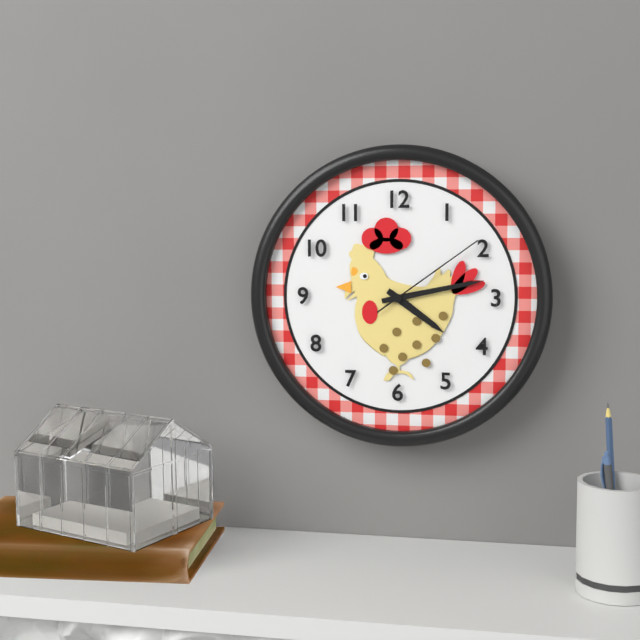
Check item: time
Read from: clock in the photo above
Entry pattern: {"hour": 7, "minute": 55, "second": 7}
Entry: {"hour": 4, "minute": 13, "second": 9}
